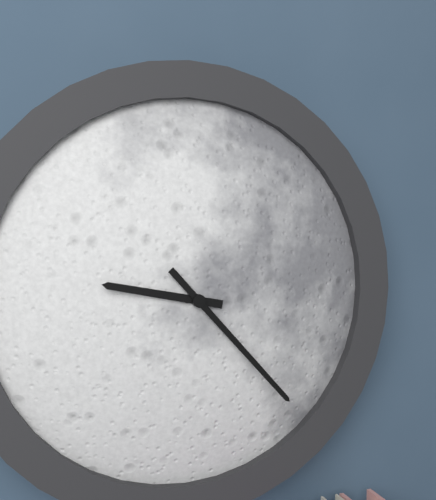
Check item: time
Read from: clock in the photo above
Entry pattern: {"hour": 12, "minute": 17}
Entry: {"hour": 9, "minute": 23}
